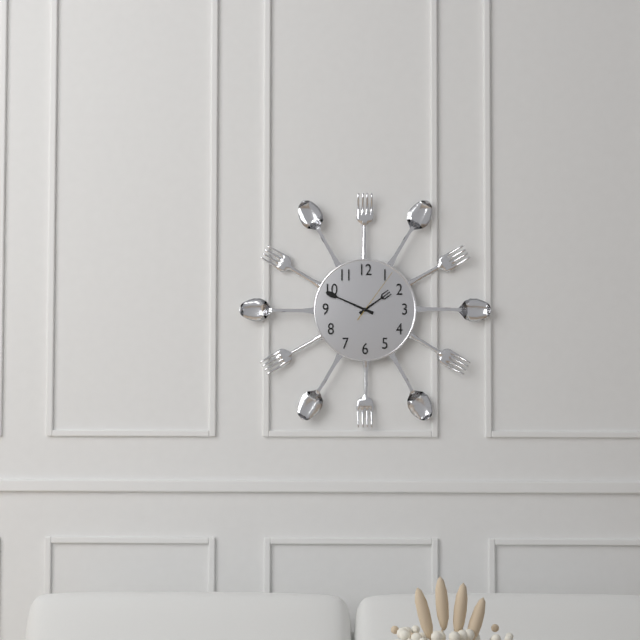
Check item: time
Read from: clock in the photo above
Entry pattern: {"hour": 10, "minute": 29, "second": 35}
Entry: {"hour": 1, "minute": 49, "second": 6}
